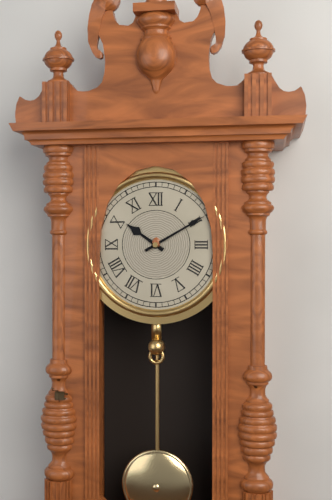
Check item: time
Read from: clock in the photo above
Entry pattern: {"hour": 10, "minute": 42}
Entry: {"hour": 10, "minute": 10}
